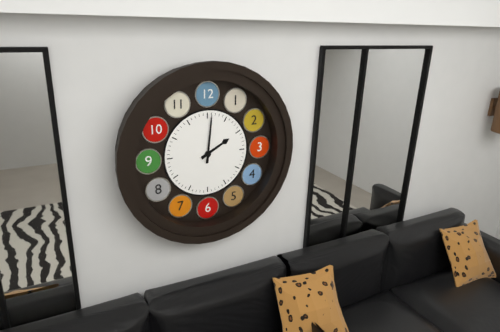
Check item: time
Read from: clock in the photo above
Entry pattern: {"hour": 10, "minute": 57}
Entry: {"hour": 2, "minute": 1}
